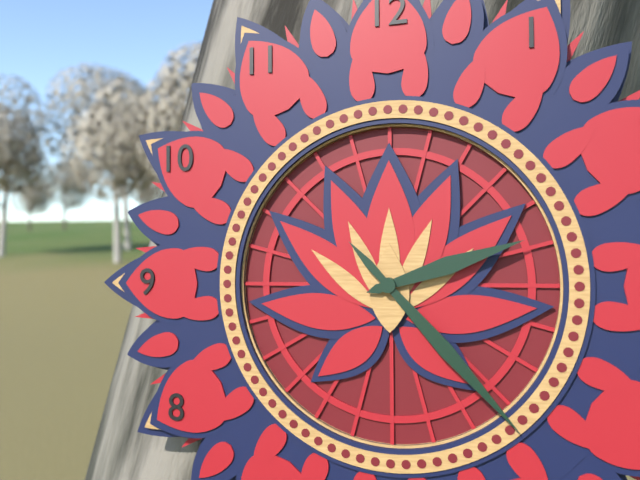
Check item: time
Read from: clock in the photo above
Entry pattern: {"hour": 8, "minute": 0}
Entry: {"hour": 2, "minute": 23}
